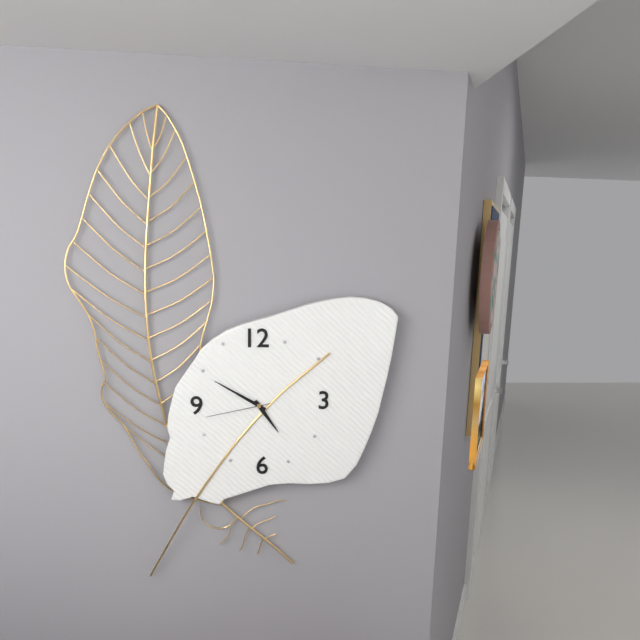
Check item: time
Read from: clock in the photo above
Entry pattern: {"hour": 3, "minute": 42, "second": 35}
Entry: {"hour": 4, "minute": 50, "second": 43}
